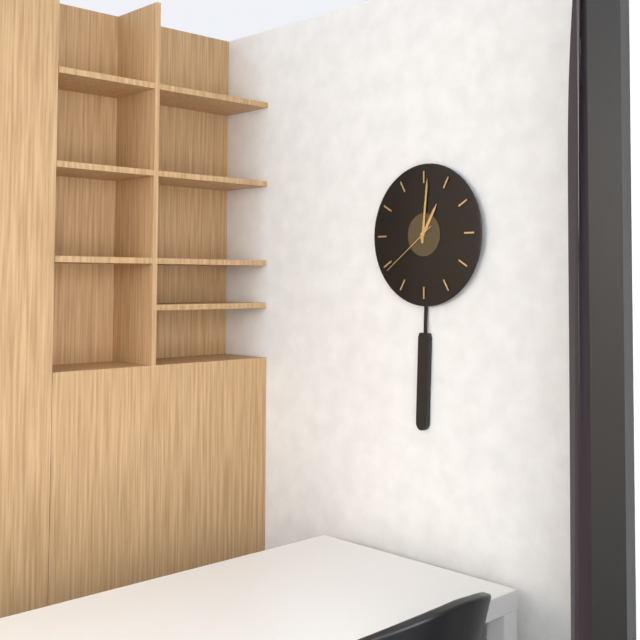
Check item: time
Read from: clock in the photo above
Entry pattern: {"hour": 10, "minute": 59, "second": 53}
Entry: {"hour": 1, "minute": 1, "second": 39}
